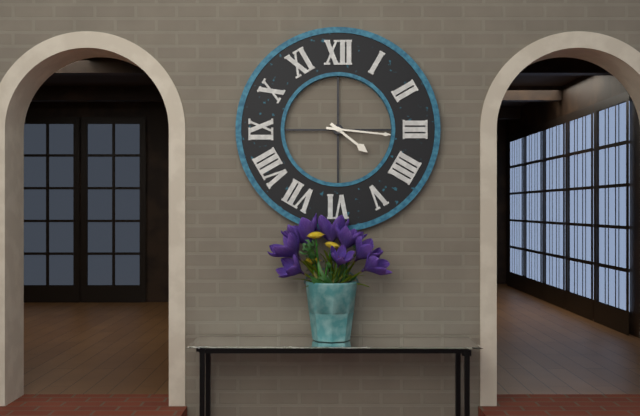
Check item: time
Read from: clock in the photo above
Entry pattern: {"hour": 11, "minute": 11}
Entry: {"hour": 4, "minute": 16}
